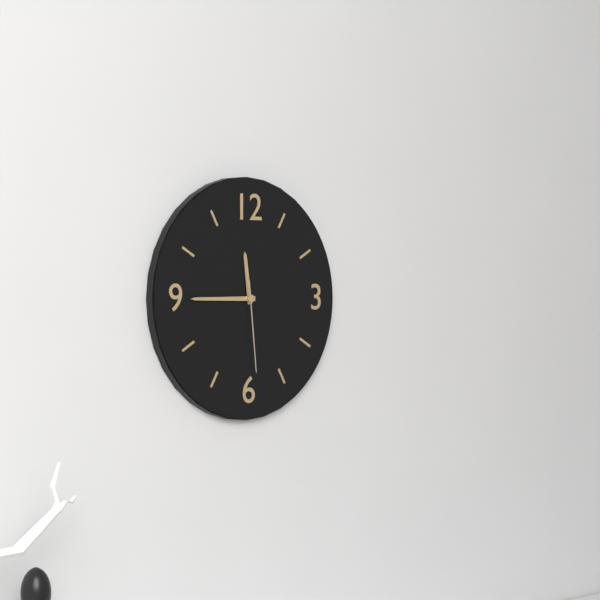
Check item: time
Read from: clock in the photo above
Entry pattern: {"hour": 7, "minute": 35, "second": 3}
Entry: {"hour": 11, "minute": 45, "second": 29}
